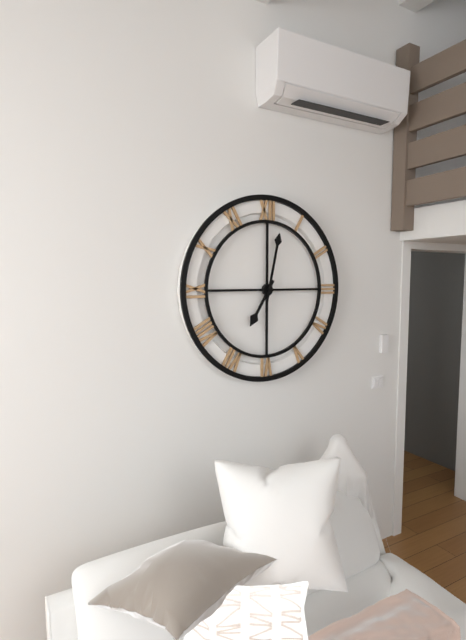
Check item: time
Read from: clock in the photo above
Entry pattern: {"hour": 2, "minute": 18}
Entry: {"hour": 7, "minute": 2}
